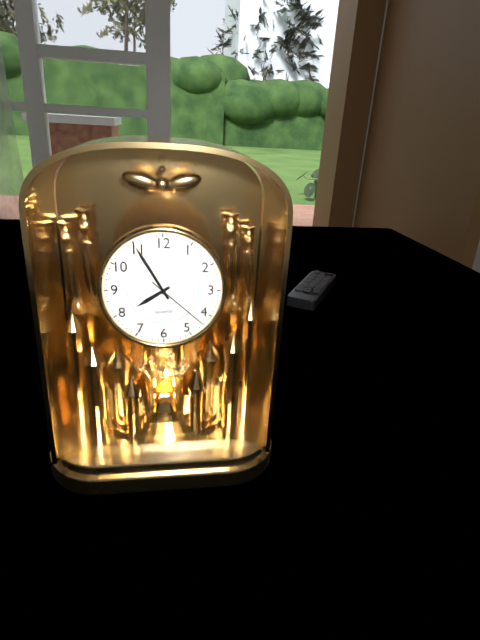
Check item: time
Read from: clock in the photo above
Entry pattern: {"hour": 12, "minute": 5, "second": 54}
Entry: {"hour": 7, "minute": 55, "second": 22}
